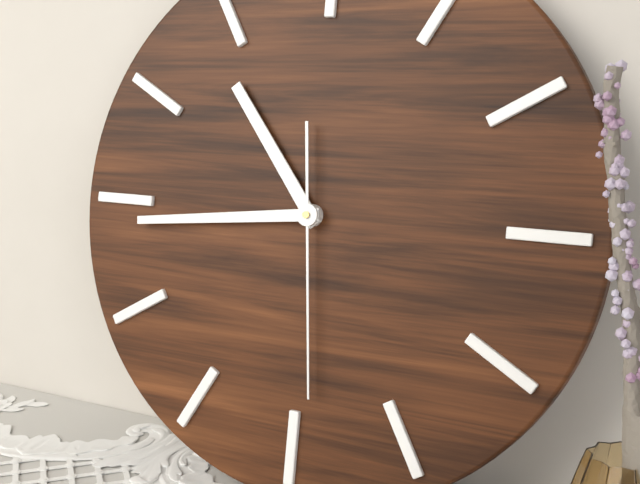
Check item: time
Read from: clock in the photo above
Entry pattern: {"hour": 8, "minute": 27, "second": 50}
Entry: {"hour": 10, "minute": 44, "second": 29}
